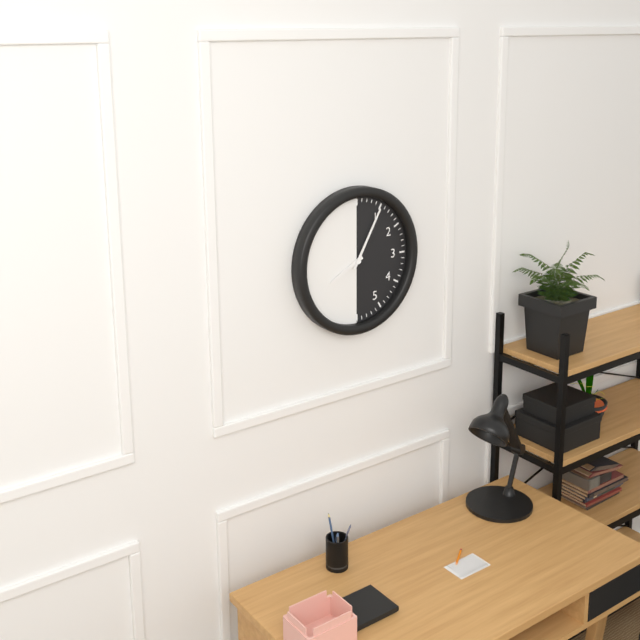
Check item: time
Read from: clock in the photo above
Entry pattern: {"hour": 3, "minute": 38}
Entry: {"hour": 8, "minute": 5}
